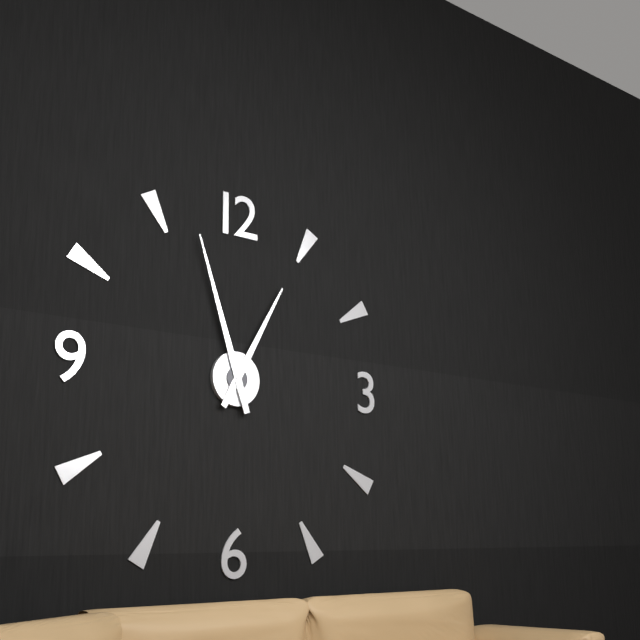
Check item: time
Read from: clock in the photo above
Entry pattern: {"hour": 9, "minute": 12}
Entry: {"hour": 12, "minute": 57}
